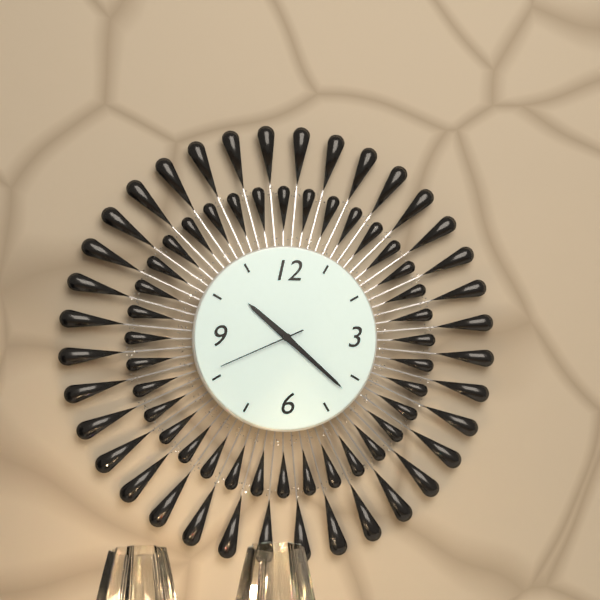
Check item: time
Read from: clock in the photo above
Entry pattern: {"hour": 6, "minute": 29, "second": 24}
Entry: {"hour": 10, "minute": 22, "second": 41}
